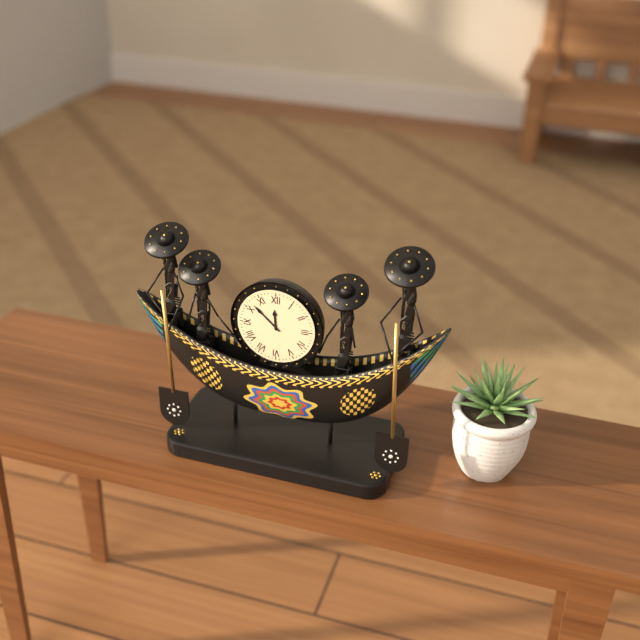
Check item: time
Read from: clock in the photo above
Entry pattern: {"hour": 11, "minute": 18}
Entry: {"hour": 11, "minute": 52}
